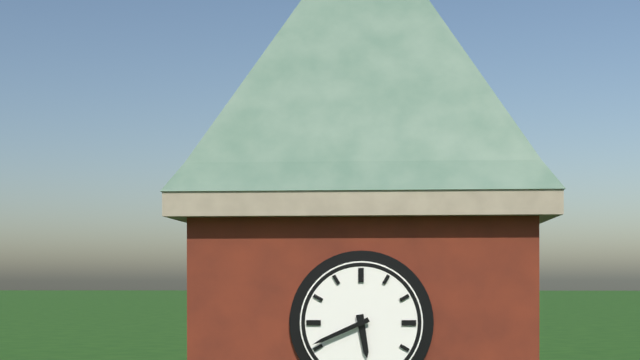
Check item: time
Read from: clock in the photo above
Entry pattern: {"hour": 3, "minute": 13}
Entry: {"hour": 5, "minute": 41}
